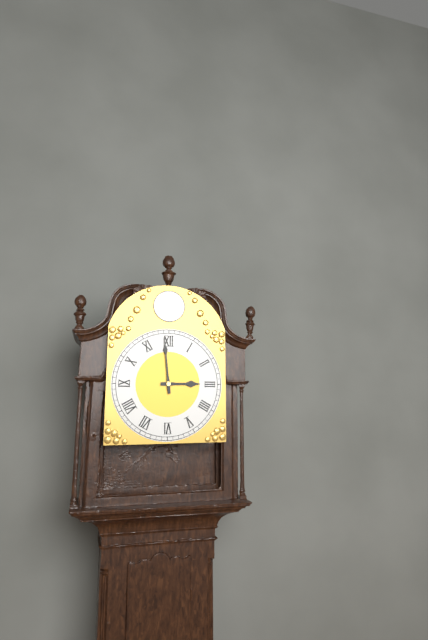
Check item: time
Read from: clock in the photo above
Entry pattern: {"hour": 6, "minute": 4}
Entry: {"hour": 2, "minute": 59}
